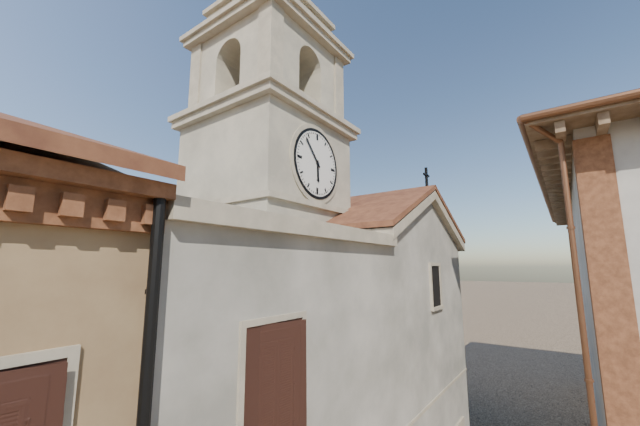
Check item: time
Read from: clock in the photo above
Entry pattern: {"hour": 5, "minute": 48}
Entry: {"hour": 5, "minute": 53}
